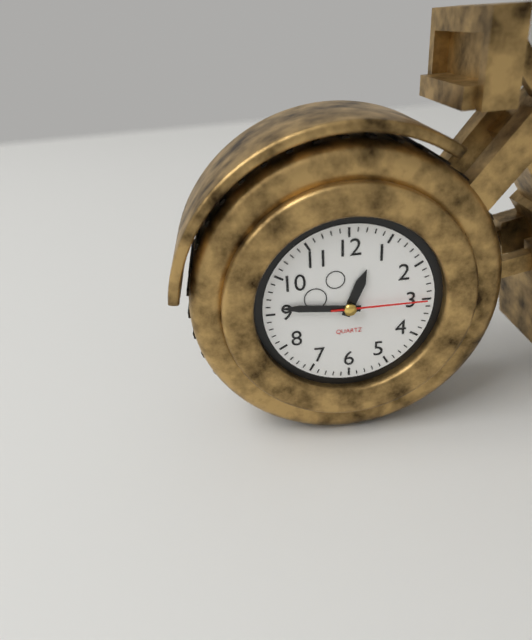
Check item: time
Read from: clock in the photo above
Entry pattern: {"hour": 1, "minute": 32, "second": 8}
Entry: {"hour": 12, "minute": 46, "second": 15}
